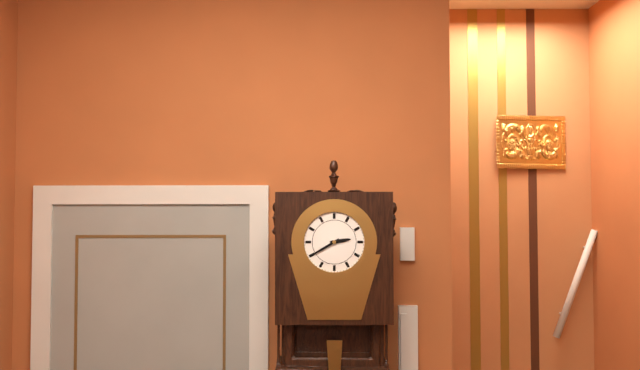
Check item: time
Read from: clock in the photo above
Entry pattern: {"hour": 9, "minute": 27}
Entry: {"hour": 2, "minute": 40}
